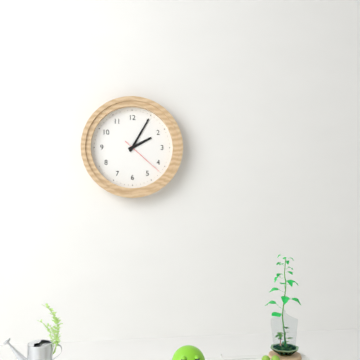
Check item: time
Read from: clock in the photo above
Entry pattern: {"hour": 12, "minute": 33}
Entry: {"hour": 2, "minute": 5}
